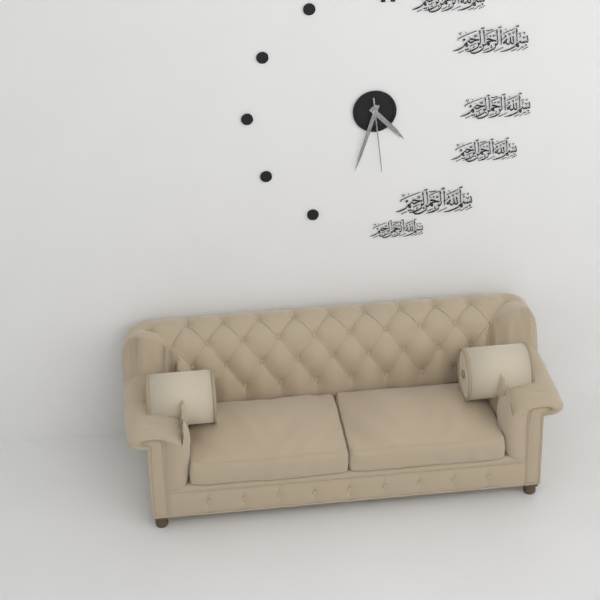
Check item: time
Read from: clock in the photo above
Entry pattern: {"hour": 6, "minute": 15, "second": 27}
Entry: {"hour": 4, "minute": 33, "second": 29}
